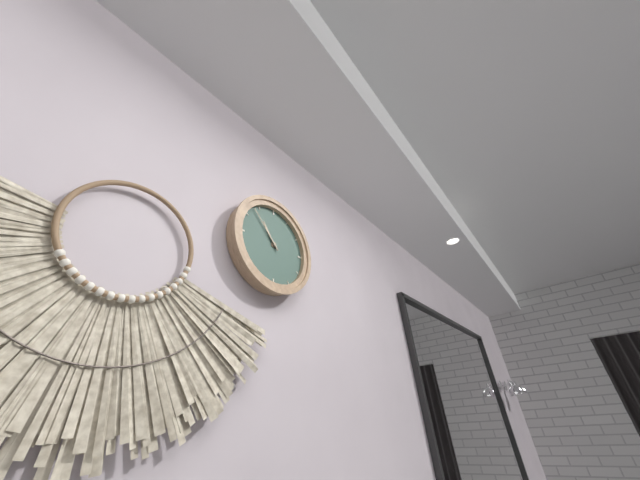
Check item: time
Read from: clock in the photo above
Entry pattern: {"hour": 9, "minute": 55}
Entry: {"hour": 10, "minute": 53}
